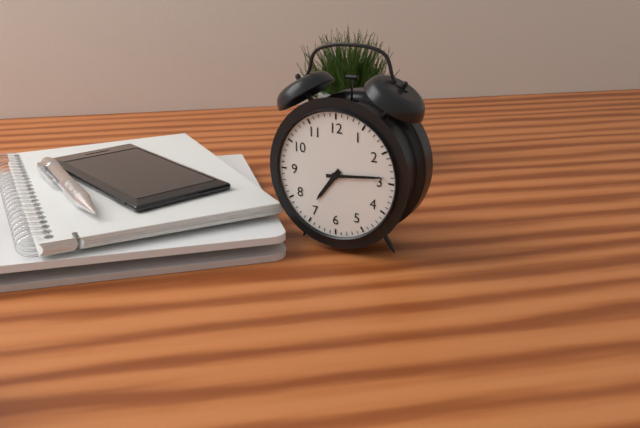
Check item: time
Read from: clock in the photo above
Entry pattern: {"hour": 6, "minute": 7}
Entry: {"hour": 7, "minute": 14}
